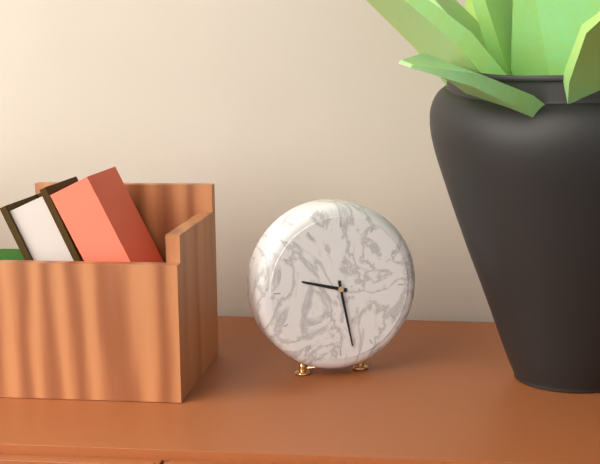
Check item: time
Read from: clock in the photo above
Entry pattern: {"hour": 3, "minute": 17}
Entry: {"hour": 9, "minute": 28}
